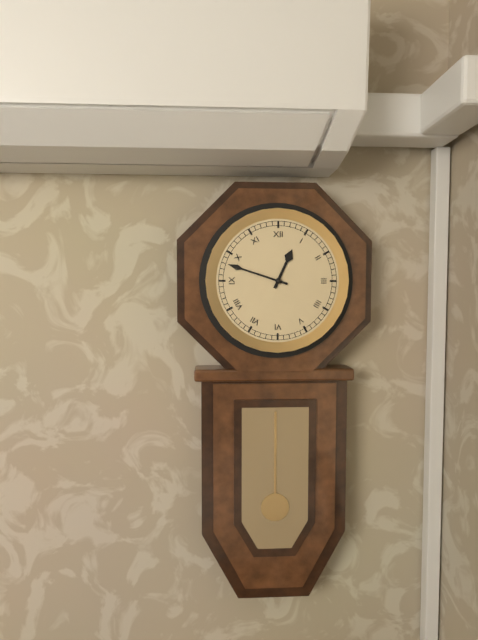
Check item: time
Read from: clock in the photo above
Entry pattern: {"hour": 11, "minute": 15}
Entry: {"hour": 12, "minute": 48}
